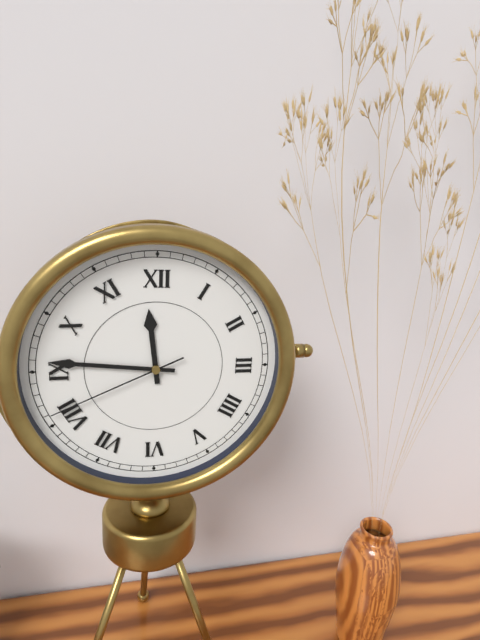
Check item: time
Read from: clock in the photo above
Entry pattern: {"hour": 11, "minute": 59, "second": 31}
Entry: {"hour": 11, "minute": 46, "second": 41}
